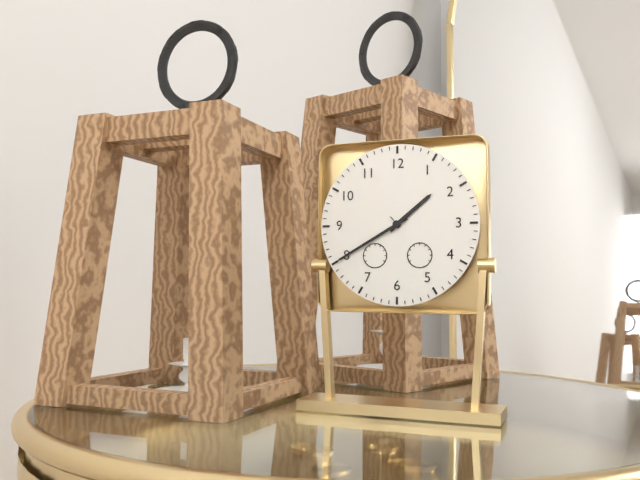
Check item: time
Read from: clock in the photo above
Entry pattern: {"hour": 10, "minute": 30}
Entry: {"hour": 1, "minute": 40}
